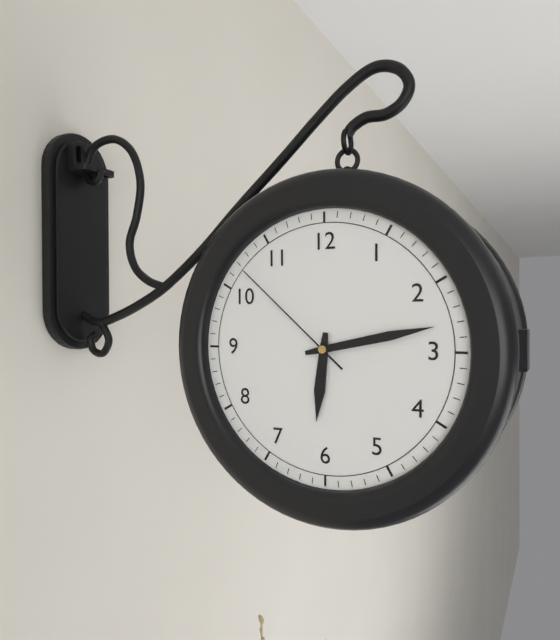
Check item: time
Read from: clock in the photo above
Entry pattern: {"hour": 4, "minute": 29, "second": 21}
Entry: {"hour": 6, "minute": 13, "second": 52}
